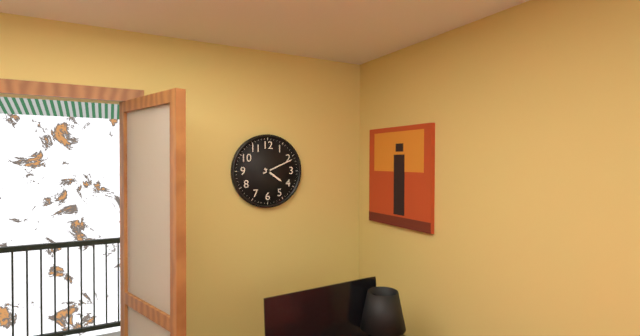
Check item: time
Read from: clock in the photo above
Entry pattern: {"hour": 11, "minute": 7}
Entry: {"hour": 4, "minute": 11}
